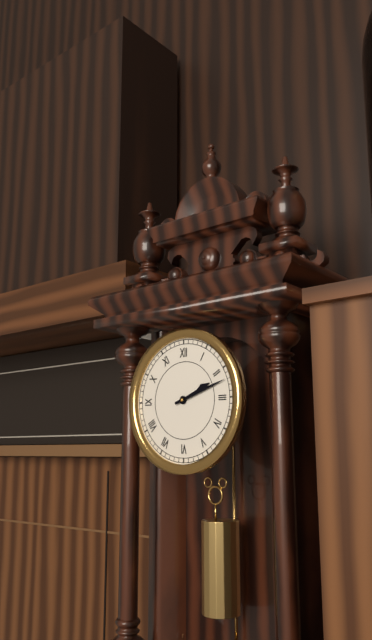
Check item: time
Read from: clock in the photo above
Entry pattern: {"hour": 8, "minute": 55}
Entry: {"hour": 2, "minute": 12}
